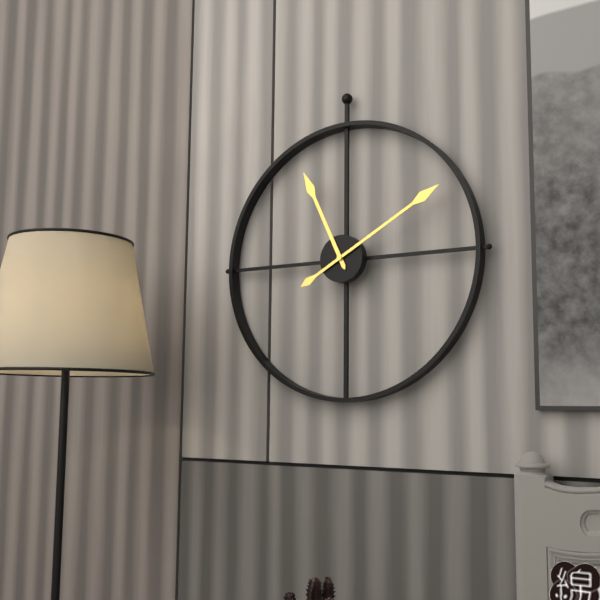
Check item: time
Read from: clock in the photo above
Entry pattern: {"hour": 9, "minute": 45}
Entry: {"hour": 11, "minute": 10}
